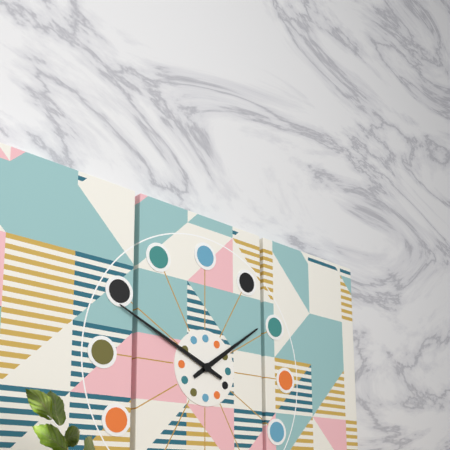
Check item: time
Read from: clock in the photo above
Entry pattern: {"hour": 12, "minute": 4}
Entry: {"hour": 1, "minute": 49}
